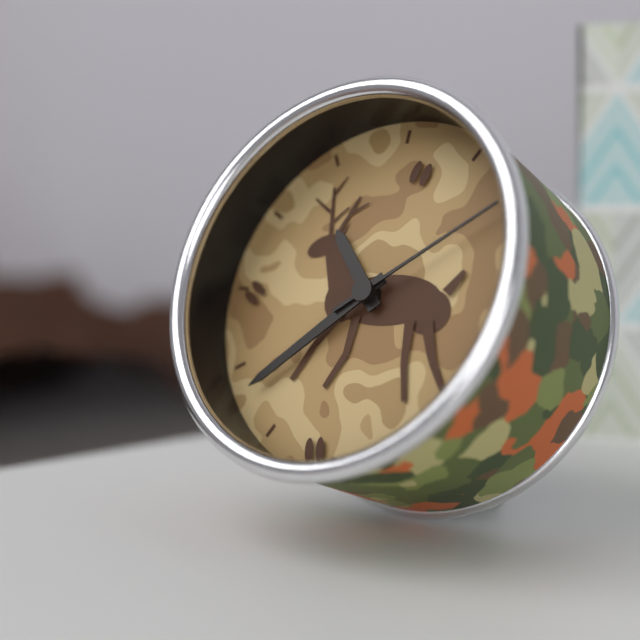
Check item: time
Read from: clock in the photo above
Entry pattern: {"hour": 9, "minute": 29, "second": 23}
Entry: {"hour": 10, "minute": 38, "second": 9}
